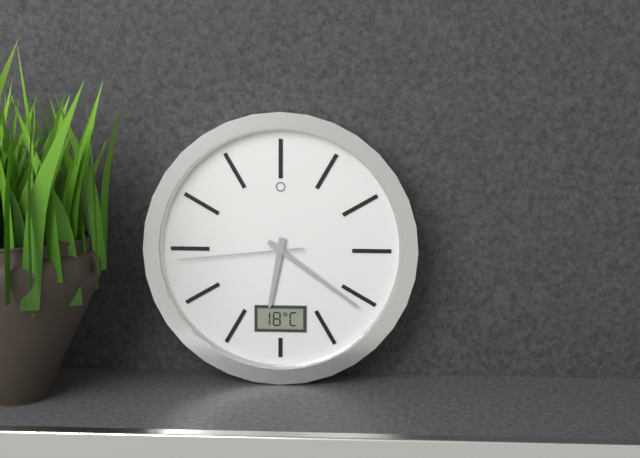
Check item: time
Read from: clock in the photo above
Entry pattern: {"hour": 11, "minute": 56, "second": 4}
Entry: {"hour": 6, "minute": 21, "second": 44}
